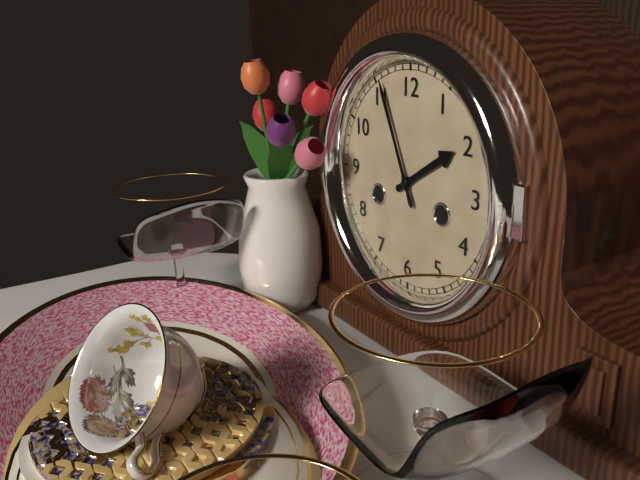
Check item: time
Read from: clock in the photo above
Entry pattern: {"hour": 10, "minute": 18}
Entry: {"hour": 1, "minute": 56}
